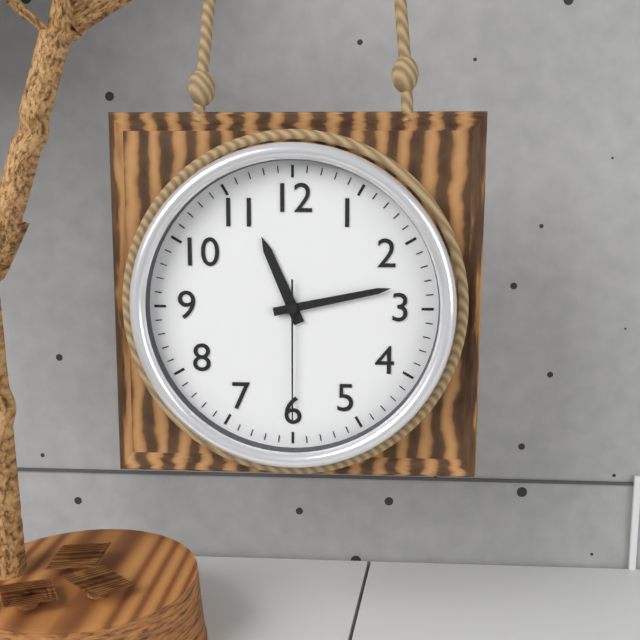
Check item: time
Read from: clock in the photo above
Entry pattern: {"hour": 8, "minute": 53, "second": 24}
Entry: {"hour": 11, "minute": 13, "second": 30}
